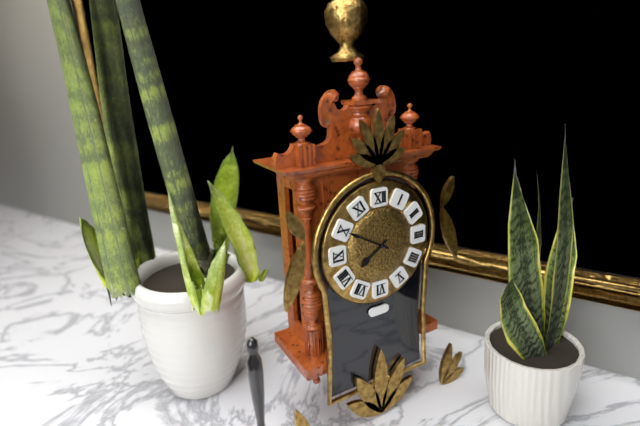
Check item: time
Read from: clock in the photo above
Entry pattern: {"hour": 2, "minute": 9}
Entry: {"hour": 7, "minute": 50}
